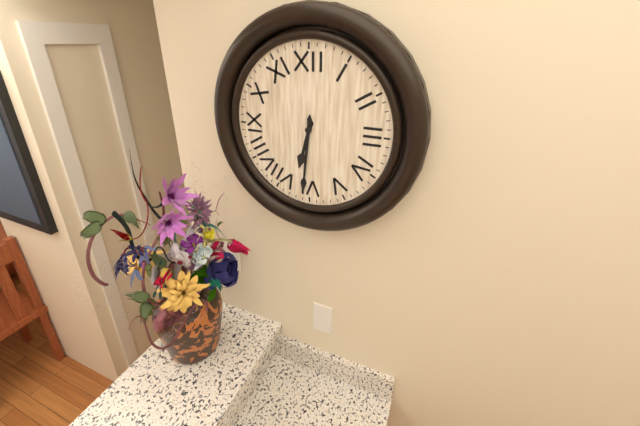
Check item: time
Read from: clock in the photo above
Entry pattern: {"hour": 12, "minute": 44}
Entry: {"hour": 6, "minute": 31}
